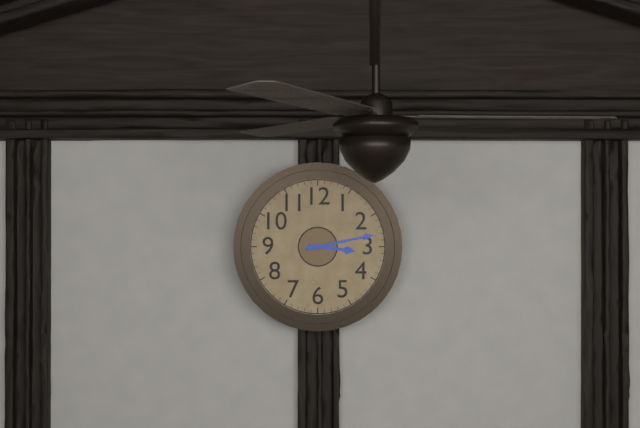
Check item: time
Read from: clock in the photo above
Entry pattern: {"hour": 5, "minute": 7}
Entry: {"hour": 3, "minute": 13}
